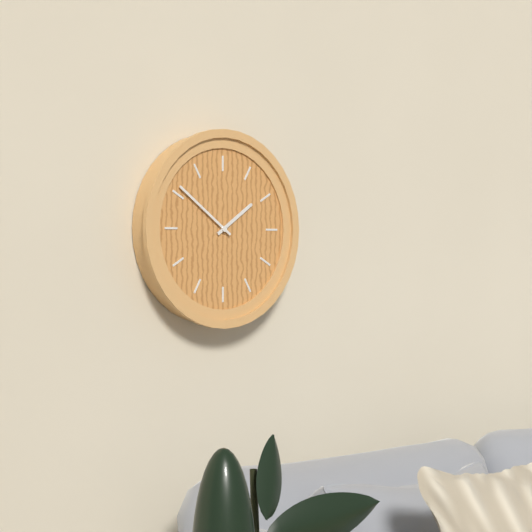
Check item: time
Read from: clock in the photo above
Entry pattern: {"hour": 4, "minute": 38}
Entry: {"hour": 1, "minute": 51}
